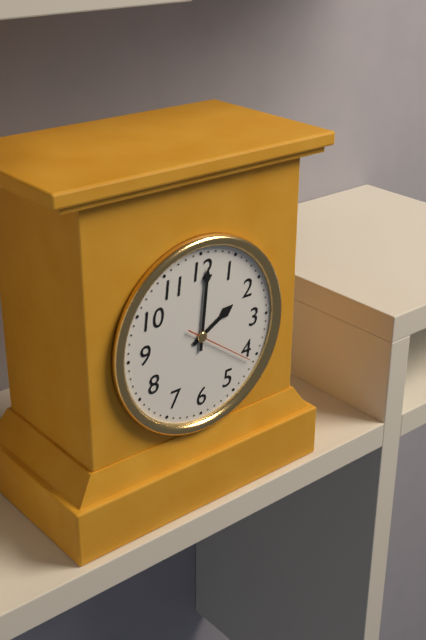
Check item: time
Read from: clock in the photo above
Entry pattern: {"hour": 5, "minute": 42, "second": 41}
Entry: {"hour": 2, "minute": 1, "second": 21}
